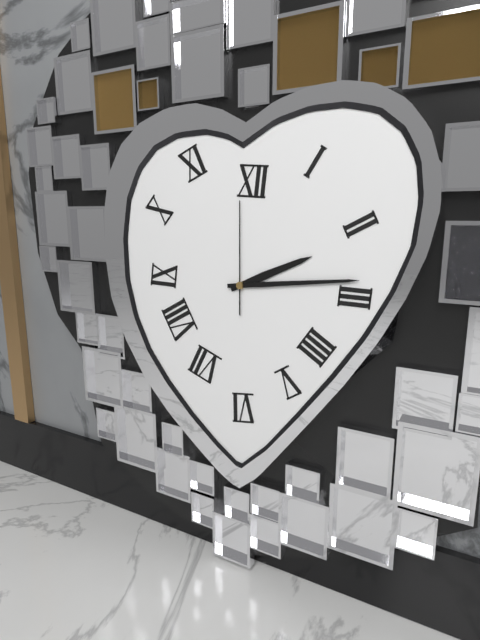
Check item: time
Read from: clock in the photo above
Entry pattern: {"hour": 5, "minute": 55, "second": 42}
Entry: {"hour": 2, "minute": 14, "second": 0}
